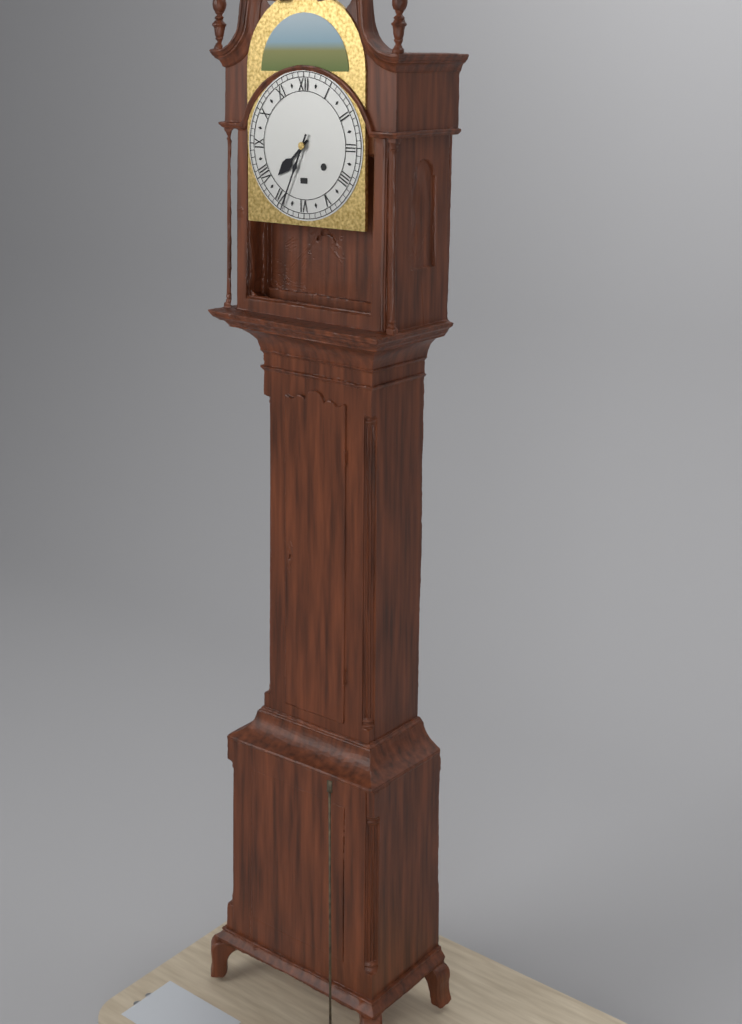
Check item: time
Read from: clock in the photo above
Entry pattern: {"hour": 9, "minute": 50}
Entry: {"hour": 7, "minute": 34}
